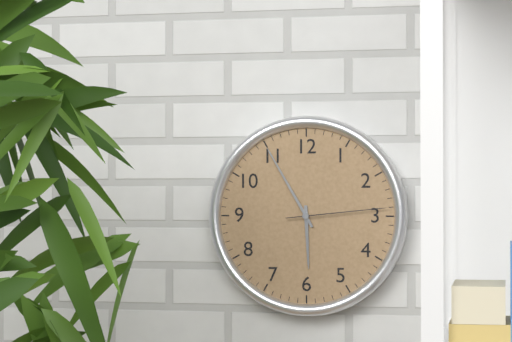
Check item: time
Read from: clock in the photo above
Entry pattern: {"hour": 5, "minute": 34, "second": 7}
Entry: {"hour": 5, "minute": 55, "second": 14}
